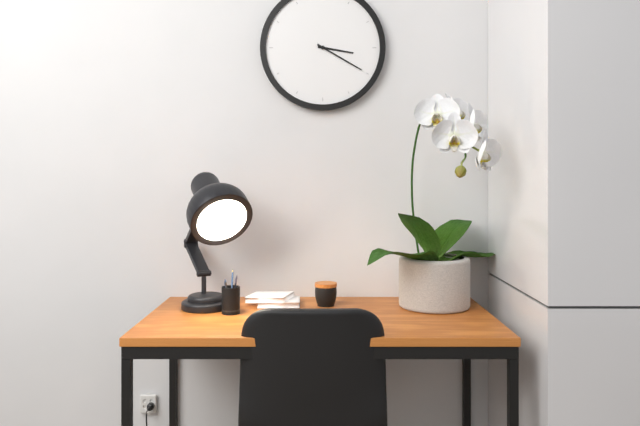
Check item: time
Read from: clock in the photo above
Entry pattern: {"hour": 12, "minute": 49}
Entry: {"hour": 3, "minute": 20}
